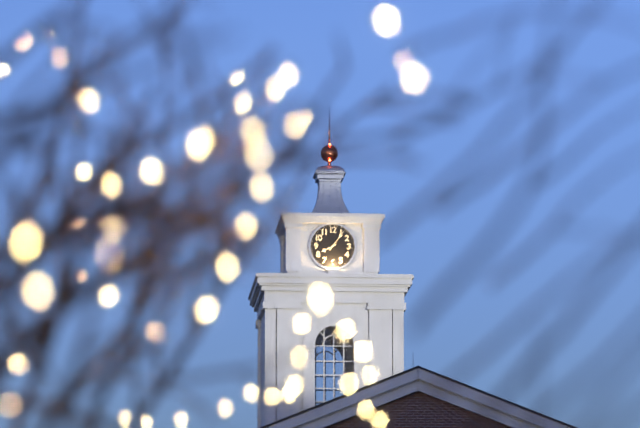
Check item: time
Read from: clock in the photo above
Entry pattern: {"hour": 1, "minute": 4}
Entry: {"hour": 8, "minute": 6}
